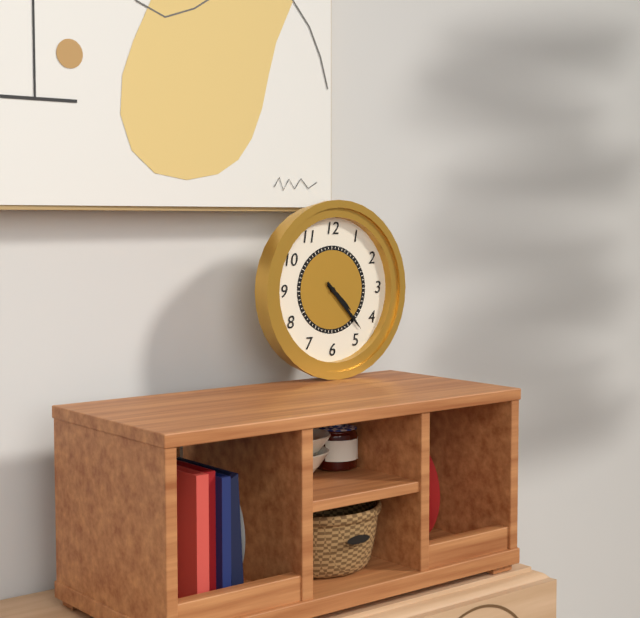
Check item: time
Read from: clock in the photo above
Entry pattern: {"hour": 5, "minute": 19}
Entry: {"hour": 4, "minute": 23}
